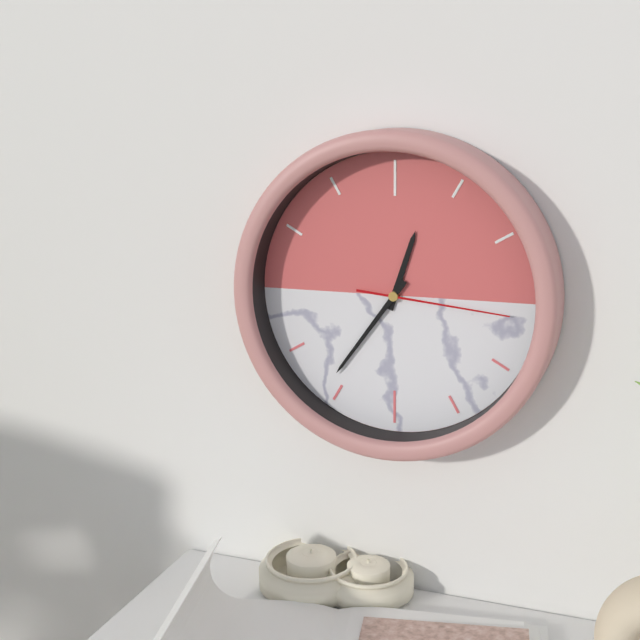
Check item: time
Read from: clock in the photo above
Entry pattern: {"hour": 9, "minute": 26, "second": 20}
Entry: {"hour": 12, "minute": 36, "second": 16}
